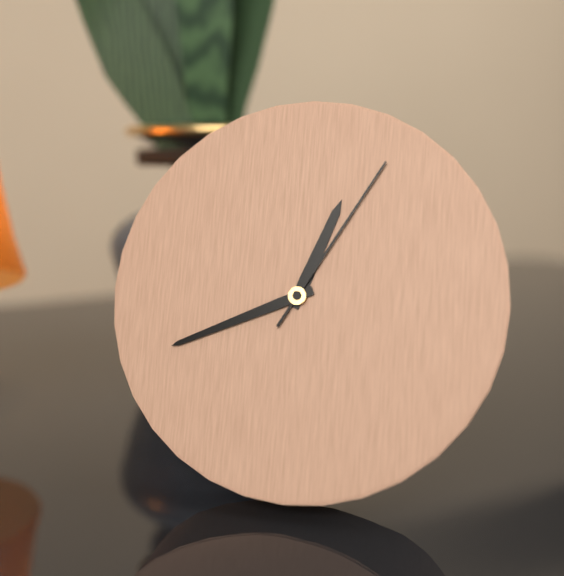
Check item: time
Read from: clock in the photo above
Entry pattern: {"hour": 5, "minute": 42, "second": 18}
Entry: {"hour": 12, "minute": 41, "second": 5}
